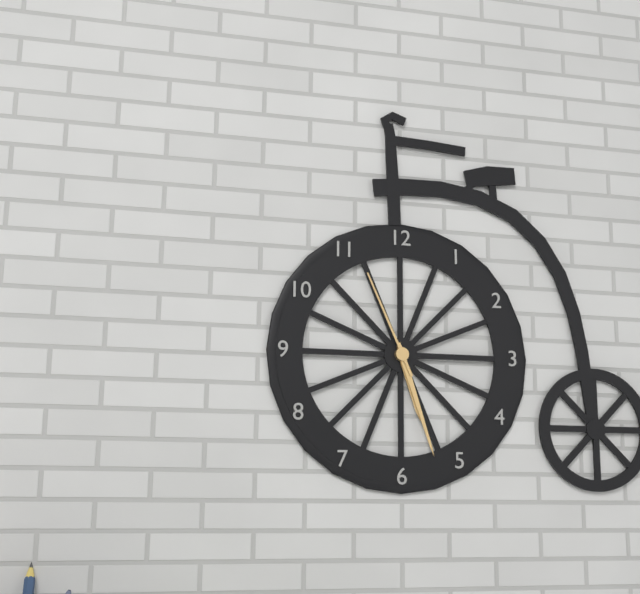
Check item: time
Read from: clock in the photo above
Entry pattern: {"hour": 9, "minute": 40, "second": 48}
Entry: {"hour": 5, "minute": 27, "second": 56}
